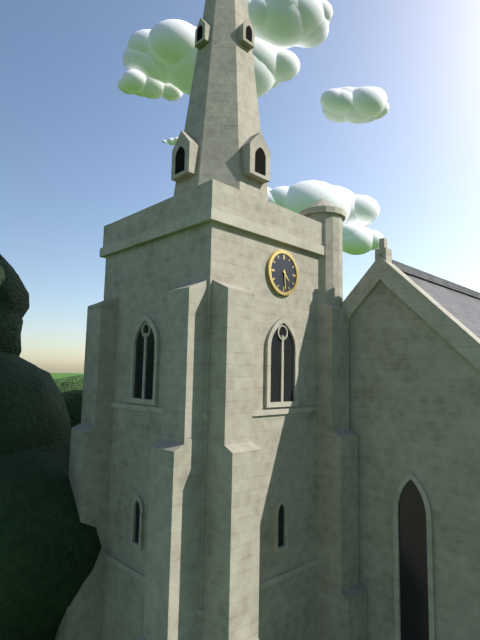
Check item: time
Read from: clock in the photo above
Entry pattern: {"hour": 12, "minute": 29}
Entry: {"hour": 4, "minute": 29}
